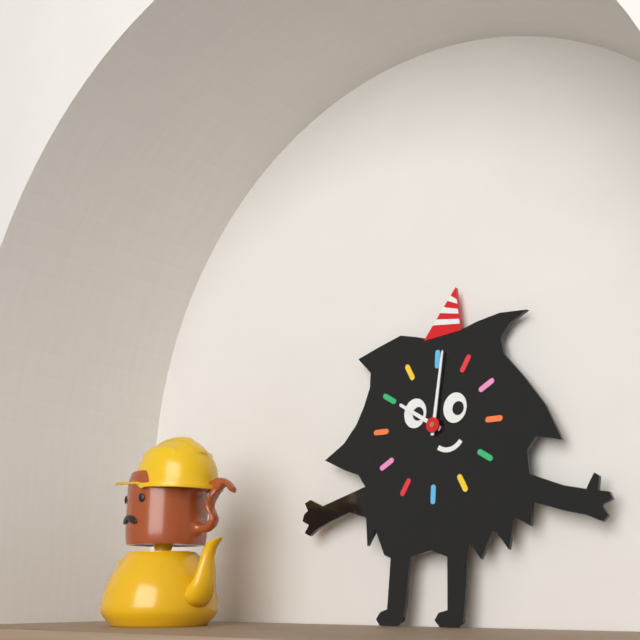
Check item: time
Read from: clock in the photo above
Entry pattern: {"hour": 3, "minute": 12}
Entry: {"hour": 10, "minute": 1}
